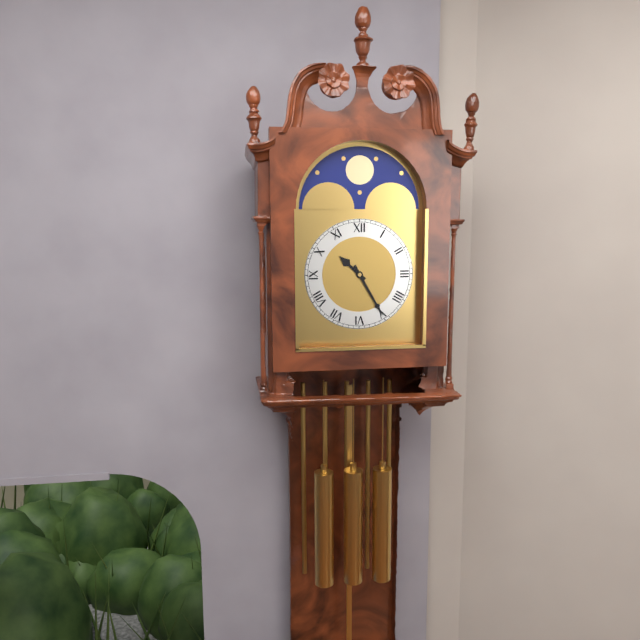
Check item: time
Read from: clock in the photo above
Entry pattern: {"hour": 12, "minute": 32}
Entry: {"hour": 10, "minute": 25}
